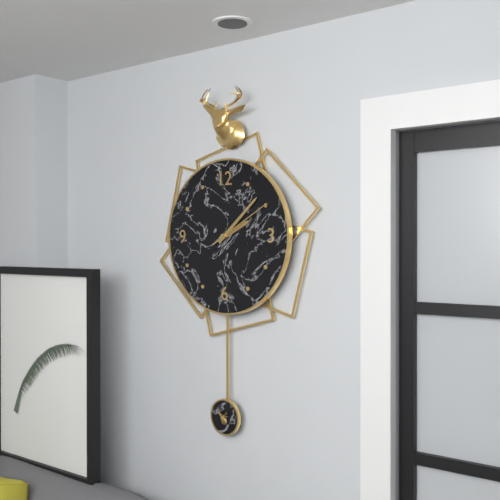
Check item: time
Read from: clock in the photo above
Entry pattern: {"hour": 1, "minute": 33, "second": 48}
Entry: {"hour": 2, "minute": 8, "second": 10}
